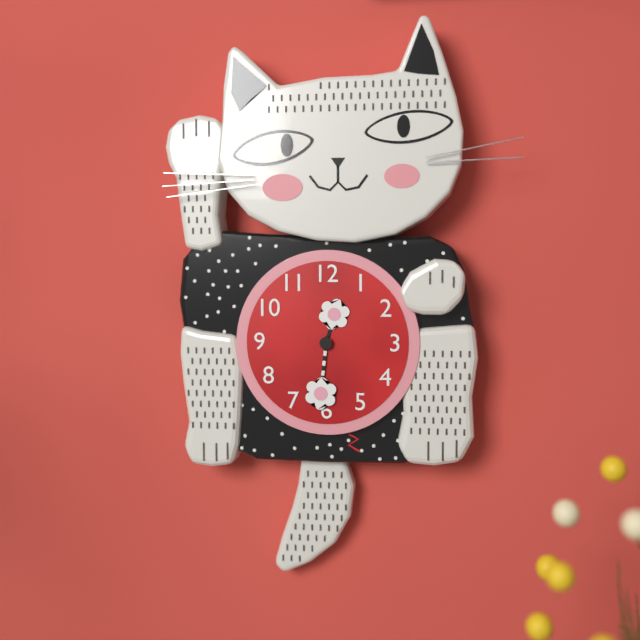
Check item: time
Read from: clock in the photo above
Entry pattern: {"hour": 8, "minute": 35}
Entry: {"hour": 12, "minute": 31}
